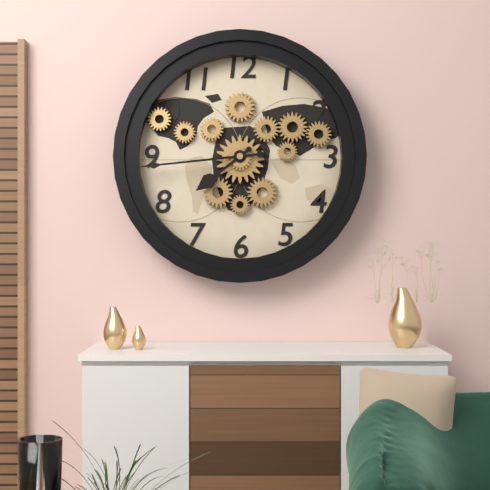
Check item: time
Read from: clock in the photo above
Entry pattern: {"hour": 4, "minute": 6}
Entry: {"hour": 7, "minute": 44}
